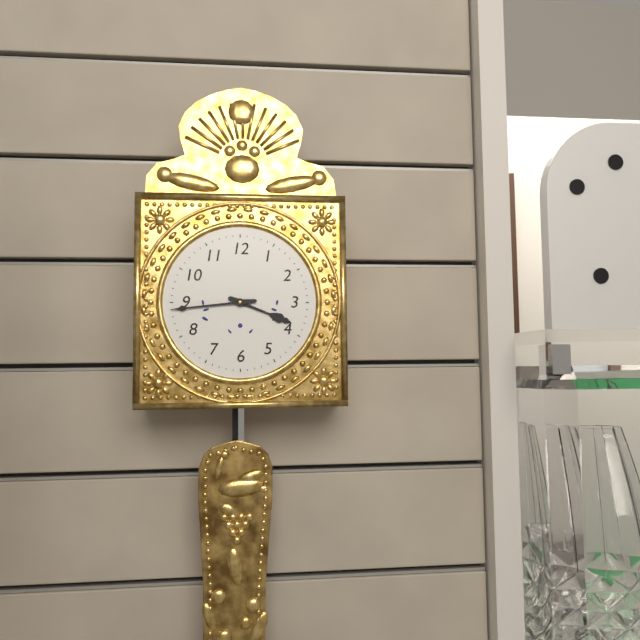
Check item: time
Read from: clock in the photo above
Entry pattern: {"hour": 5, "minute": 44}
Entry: {"hour": 3, "minute": 44}
